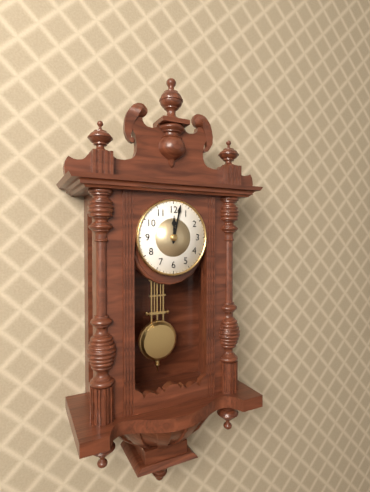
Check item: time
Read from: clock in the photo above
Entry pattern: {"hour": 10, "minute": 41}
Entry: {"hour": 12, "minute": 2}
